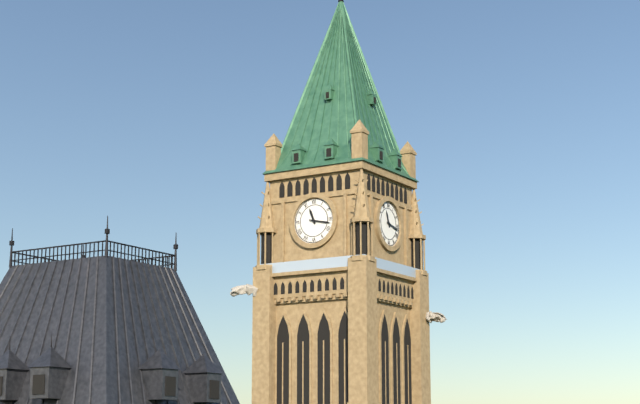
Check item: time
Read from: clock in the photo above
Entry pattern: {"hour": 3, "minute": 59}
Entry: {"hour": 11, "minute": 17}
